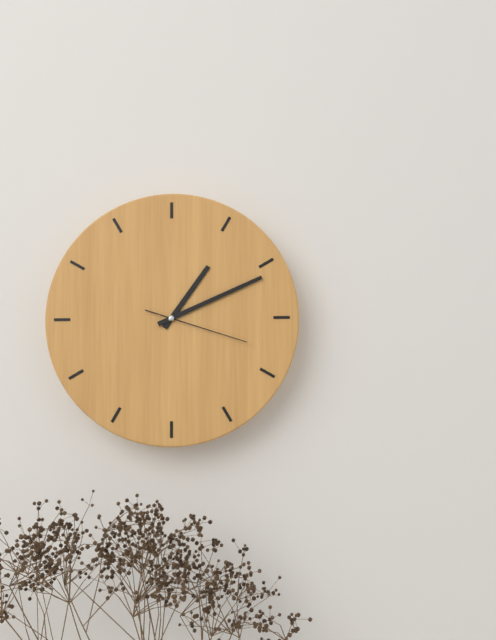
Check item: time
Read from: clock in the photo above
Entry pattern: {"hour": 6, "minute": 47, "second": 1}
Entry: {"hour": 1, "minute": 11, "second": 18}
